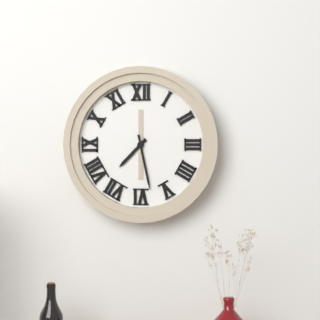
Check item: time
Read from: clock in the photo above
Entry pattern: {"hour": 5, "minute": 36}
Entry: {"hour": 7, "minute": 28}
